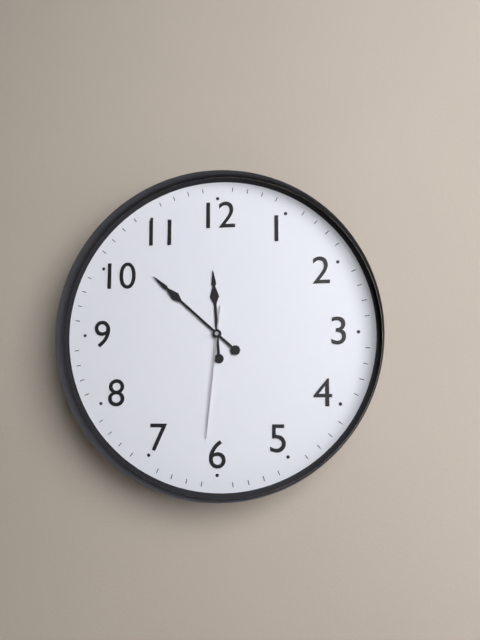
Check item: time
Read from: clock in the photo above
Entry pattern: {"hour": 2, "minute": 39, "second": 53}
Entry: {"hour": 11, "minute": 52, "second": 31}
